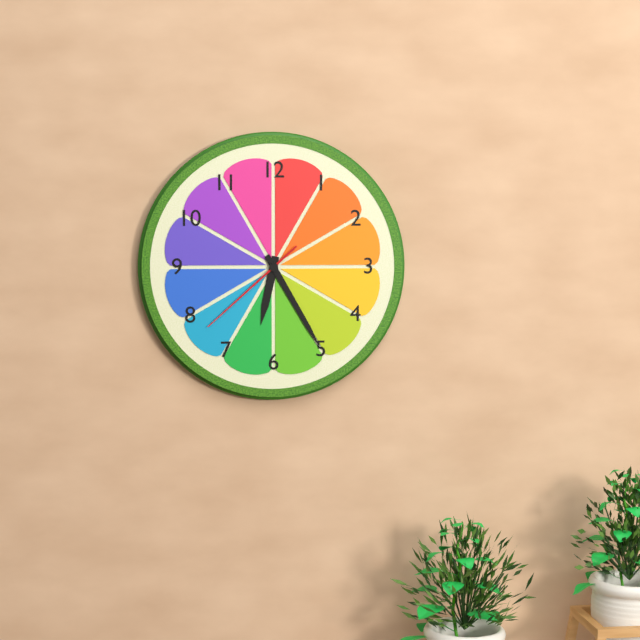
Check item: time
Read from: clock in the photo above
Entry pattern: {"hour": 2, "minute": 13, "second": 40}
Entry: {"hour": 6, "minute": 25, "second": 38}
